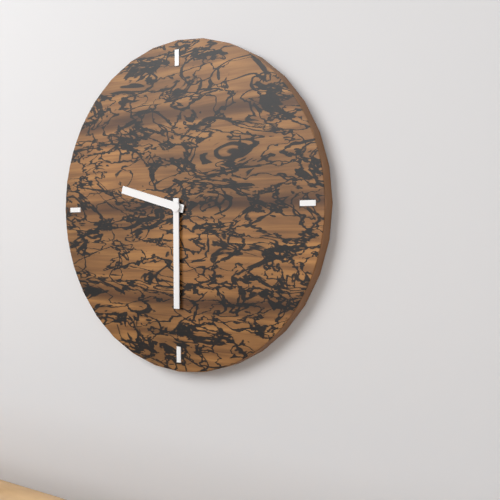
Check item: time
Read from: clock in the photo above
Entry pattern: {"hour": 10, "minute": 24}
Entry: {"hour": 9, "minute": 30}
